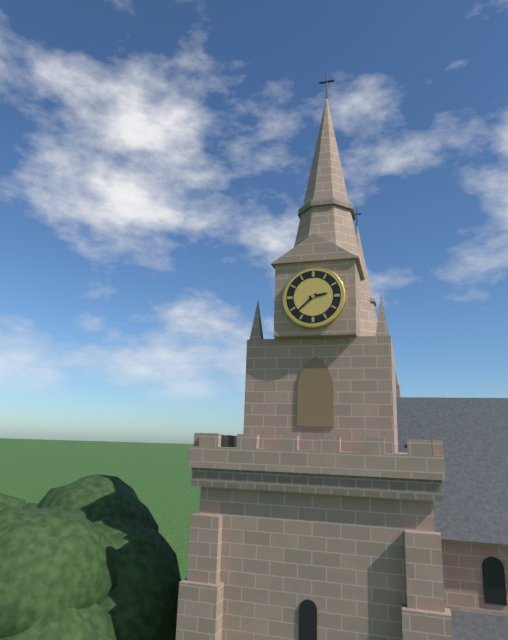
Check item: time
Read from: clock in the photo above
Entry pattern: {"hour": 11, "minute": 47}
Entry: {"hour": 2, "minute": 38}
